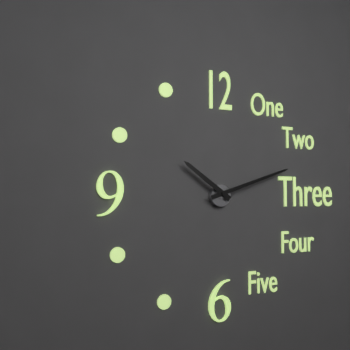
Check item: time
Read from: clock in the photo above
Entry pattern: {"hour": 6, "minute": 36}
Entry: {"hour": 10, "minute": 12}
